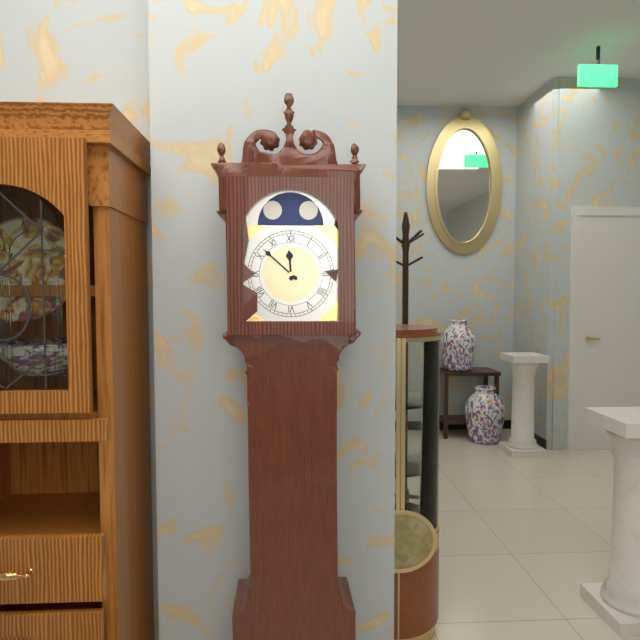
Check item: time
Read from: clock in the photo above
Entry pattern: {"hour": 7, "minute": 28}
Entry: {"hour": 11, "minute": 52}
